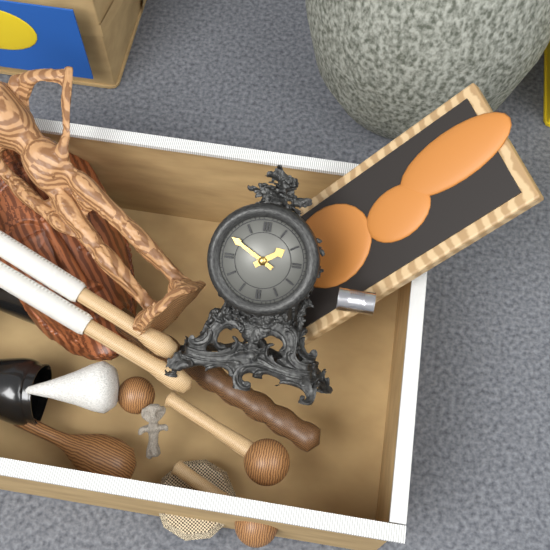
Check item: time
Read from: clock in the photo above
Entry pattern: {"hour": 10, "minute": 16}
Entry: {"hour": 1, "minute": 50}
